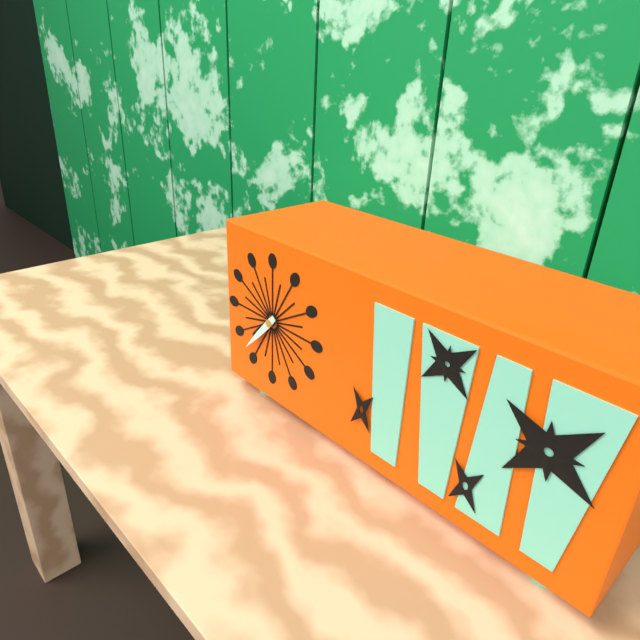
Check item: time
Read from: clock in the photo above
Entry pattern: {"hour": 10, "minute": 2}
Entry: {"hour": 7, "minute": 37}
